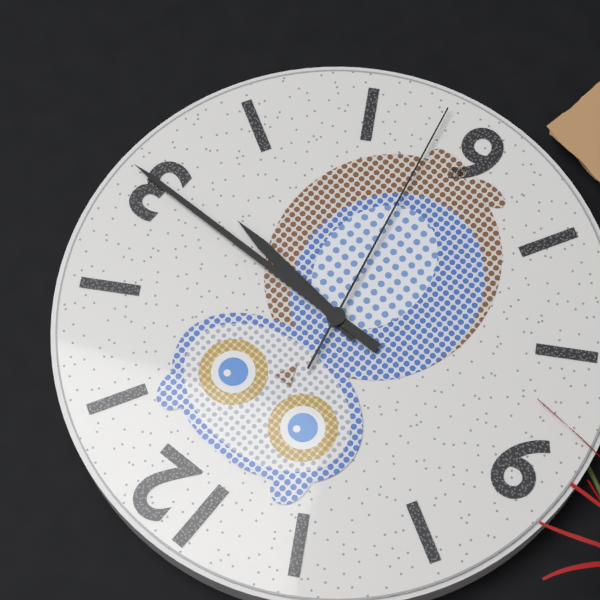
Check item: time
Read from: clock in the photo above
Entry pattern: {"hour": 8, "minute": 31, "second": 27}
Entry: {"hour": 3, "minute": 15, "second": 28}
